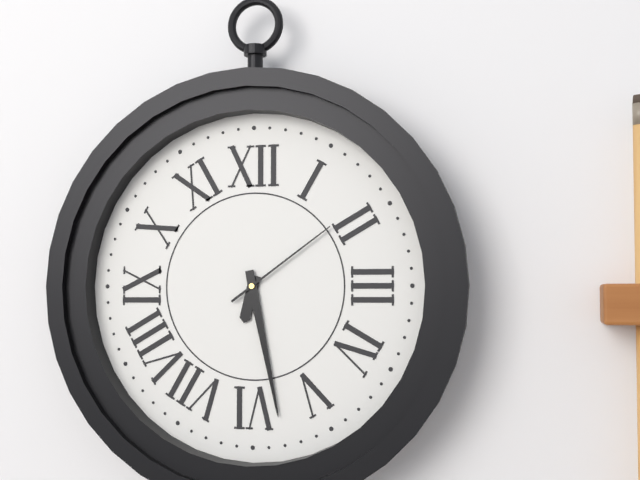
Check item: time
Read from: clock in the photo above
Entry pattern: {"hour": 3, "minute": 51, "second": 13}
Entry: {"hour": 6, "minute": 28, "second": 9}
